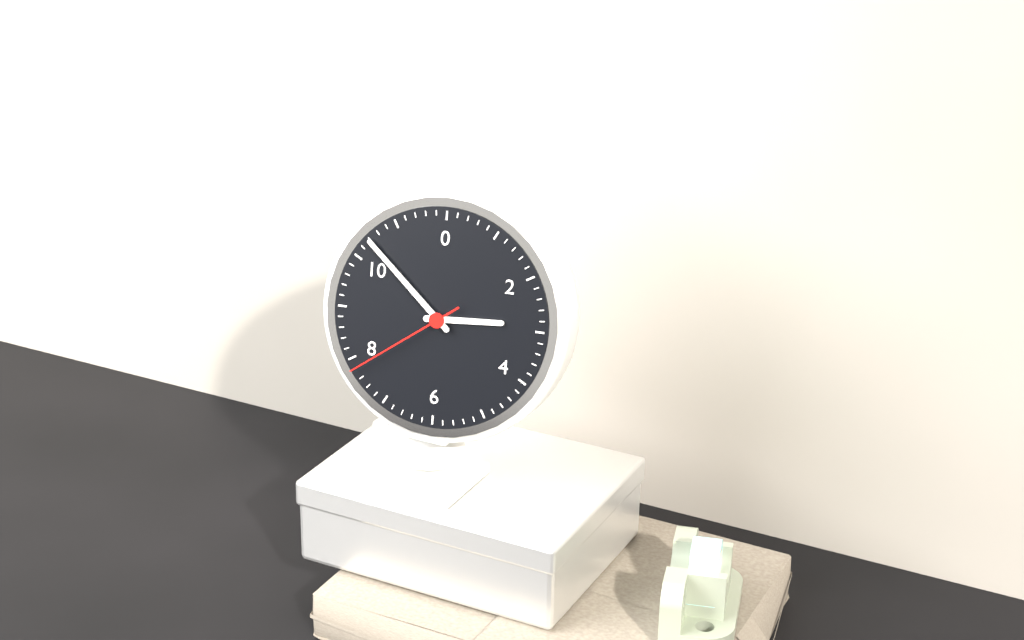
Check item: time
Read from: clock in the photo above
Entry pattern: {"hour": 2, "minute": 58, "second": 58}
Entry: {"hour": 2, "minute": 52, "second": 39}
